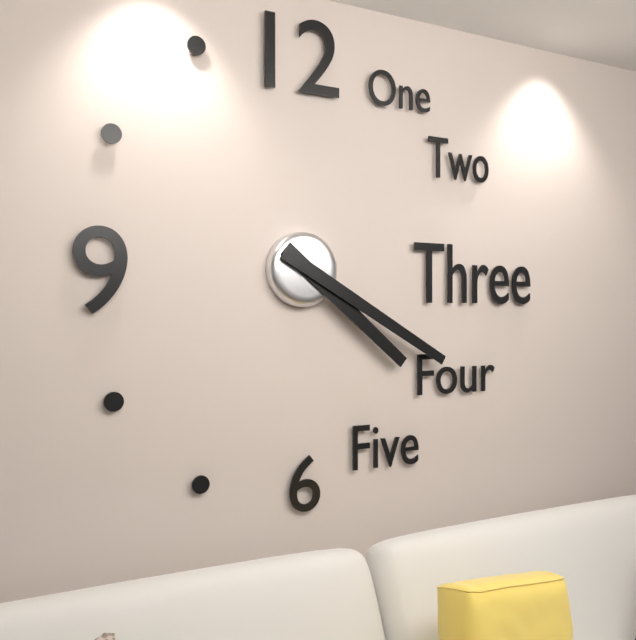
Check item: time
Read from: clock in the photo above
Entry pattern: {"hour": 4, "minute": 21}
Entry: {"hour": 4, "minute": 20}
